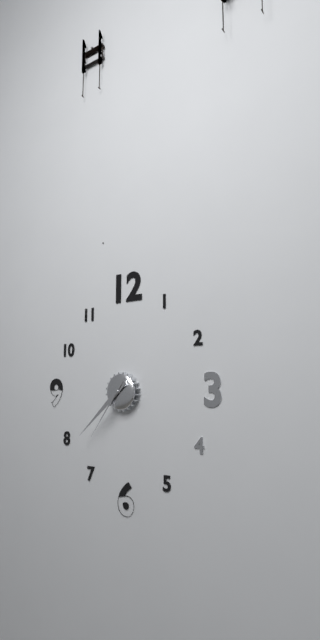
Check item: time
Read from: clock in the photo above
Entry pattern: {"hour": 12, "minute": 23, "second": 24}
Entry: {"hour": 7, "minute": 38, "second": 36}
